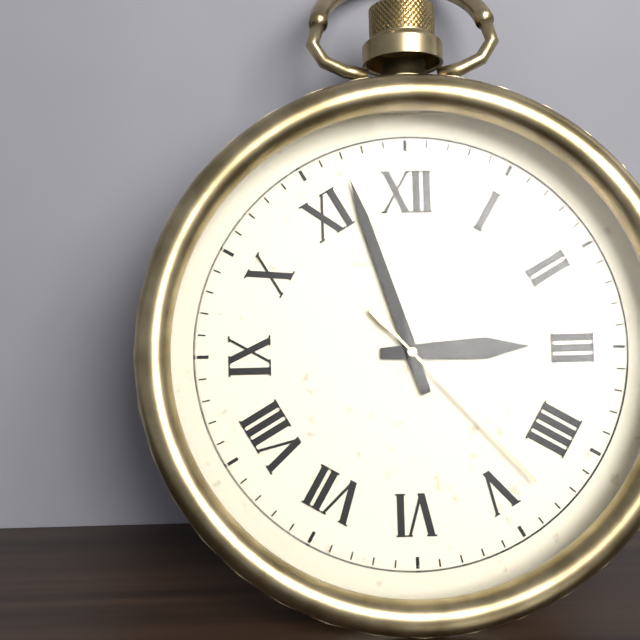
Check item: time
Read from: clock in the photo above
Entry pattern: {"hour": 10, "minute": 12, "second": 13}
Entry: {"hour": 2, "minute": 57, "second": 23}
